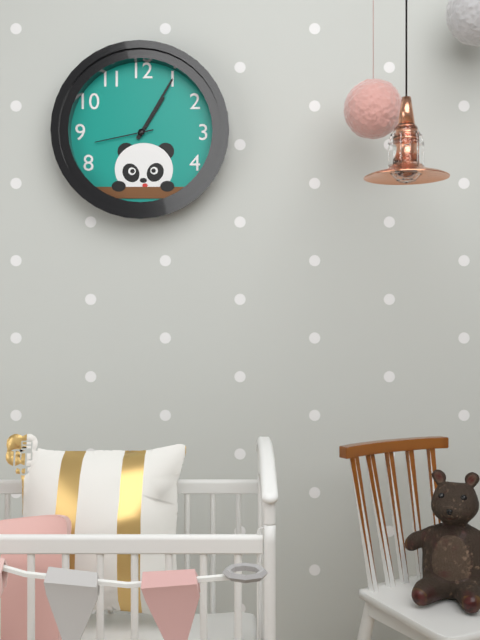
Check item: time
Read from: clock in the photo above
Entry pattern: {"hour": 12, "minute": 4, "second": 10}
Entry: {"hour": 1, "minute": 5, "second": 43}
